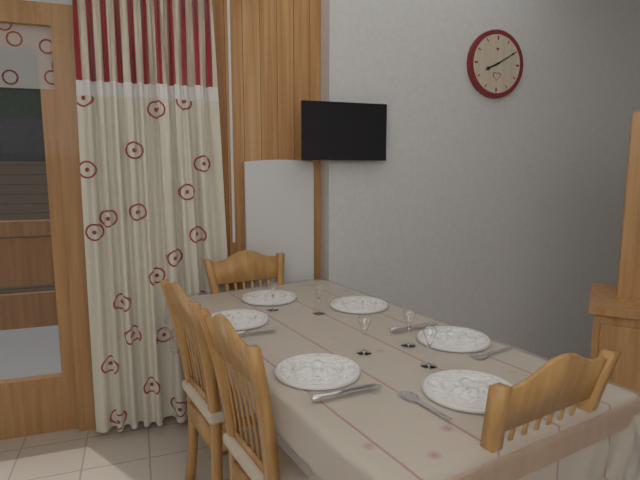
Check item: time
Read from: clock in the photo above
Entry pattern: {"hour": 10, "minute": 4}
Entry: {"hour": 8, "minute": 10}
